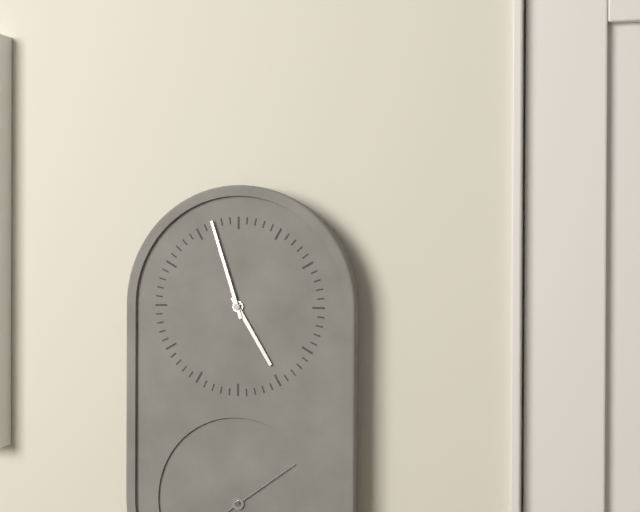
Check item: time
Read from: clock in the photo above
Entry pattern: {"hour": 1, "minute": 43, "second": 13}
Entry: {"hour": 4, "minute": 57, "second": 9}
